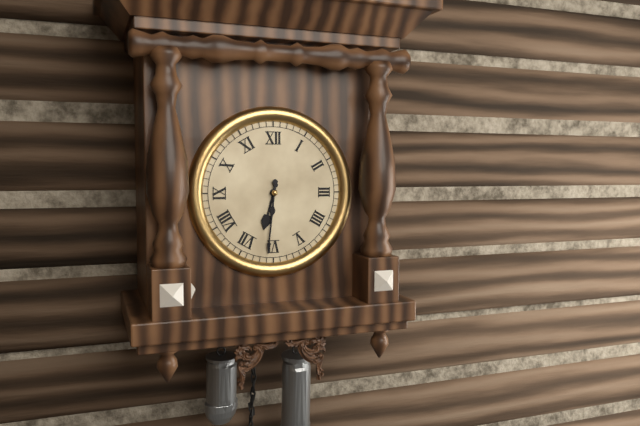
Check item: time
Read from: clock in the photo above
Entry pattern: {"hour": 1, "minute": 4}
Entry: {"hour": 6, "minute": 31}
